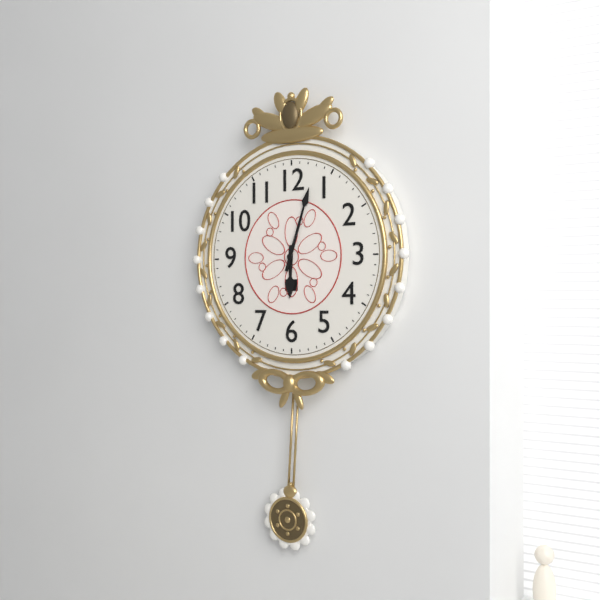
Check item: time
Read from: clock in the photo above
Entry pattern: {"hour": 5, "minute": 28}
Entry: {"hour": 6, "minute": 3}
